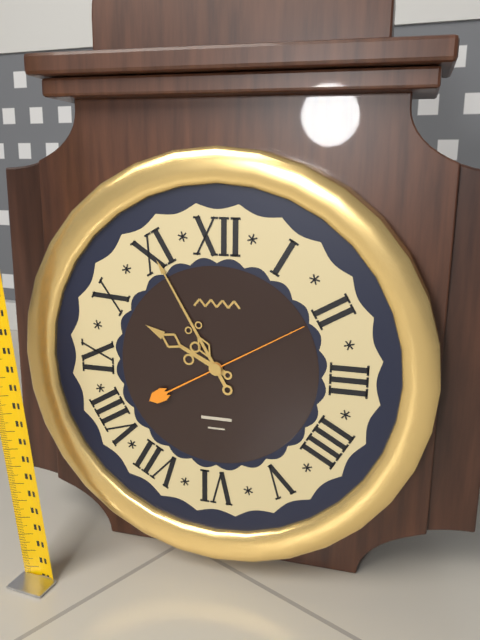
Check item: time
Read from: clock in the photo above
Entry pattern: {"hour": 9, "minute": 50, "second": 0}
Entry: {"hour": 9, "minute": 55, "second": 10}
